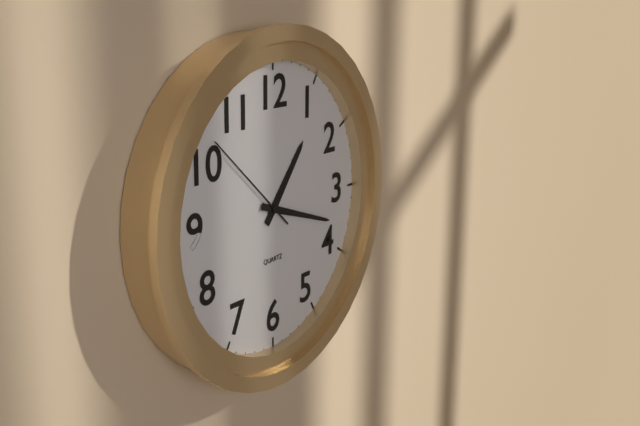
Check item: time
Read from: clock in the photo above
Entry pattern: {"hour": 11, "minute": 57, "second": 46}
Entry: {"hour": 1, "minute": 18, "second": 52}
